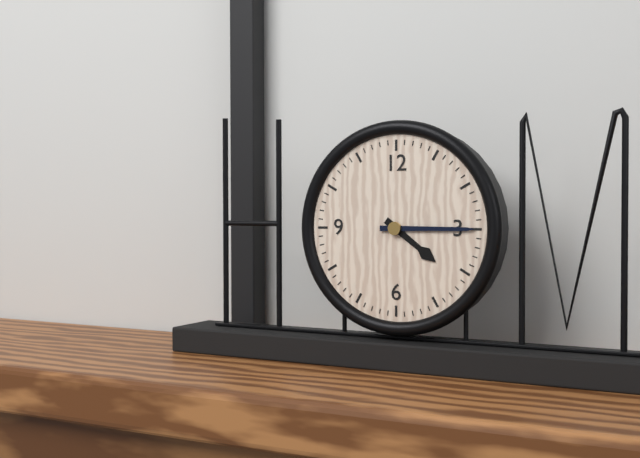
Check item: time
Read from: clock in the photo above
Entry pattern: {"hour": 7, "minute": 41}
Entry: {"hour": 4, "minute": 15}
